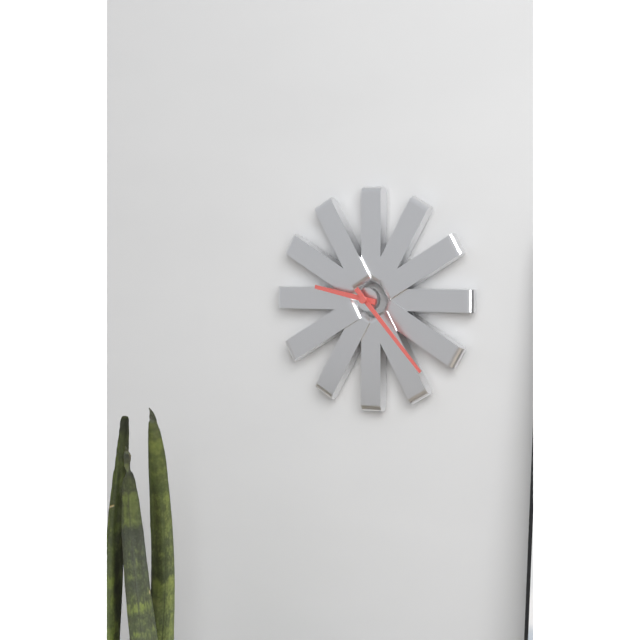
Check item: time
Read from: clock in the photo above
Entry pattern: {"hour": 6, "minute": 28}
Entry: {"hour": 9, "minute": 23}
